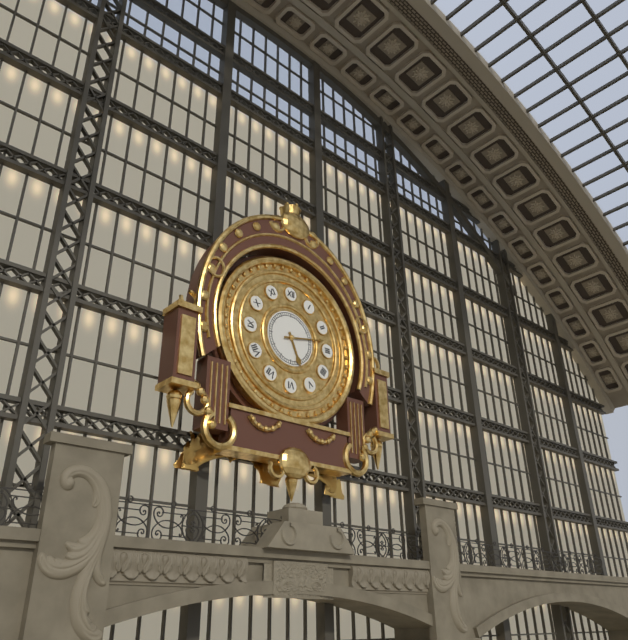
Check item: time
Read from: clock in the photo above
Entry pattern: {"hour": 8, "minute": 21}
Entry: {"hour": 5, "minute": 13}
